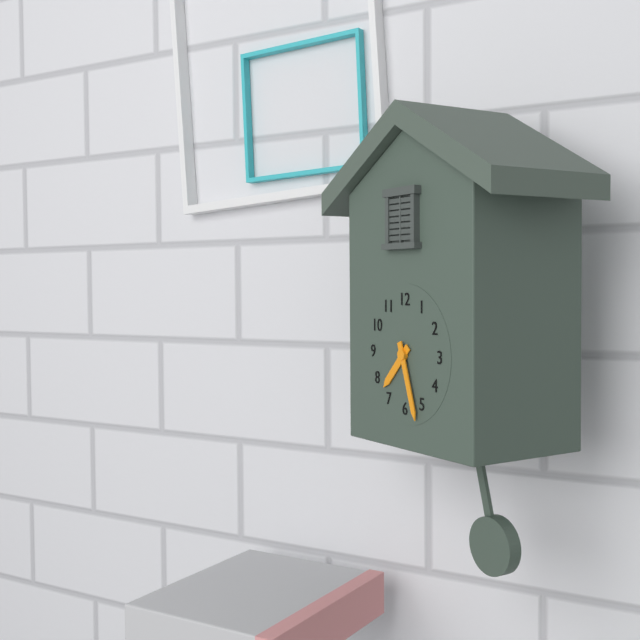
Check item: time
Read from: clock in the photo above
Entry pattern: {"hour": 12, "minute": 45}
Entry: {"hour": 7, "minute": 27}
